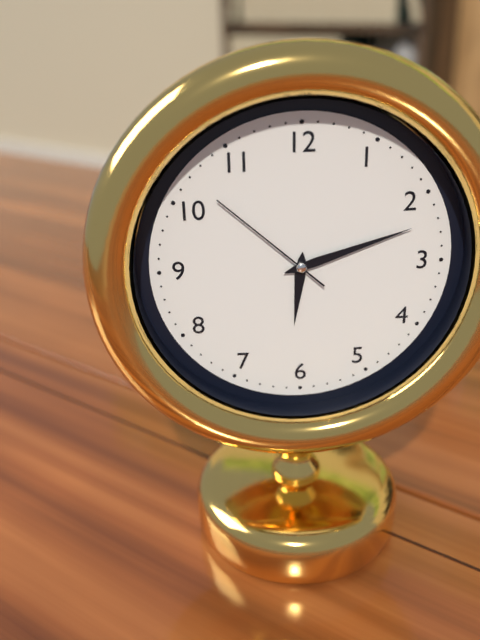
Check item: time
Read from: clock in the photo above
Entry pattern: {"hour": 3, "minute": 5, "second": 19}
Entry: {"hour": 6, "minute": 12, "second": 52}
